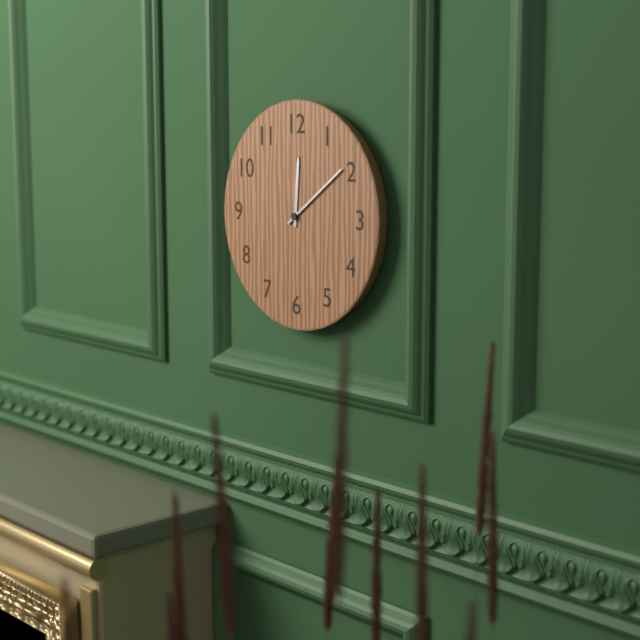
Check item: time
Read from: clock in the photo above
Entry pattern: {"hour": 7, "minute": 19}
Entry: {"hour": 12, "minute": 9}
